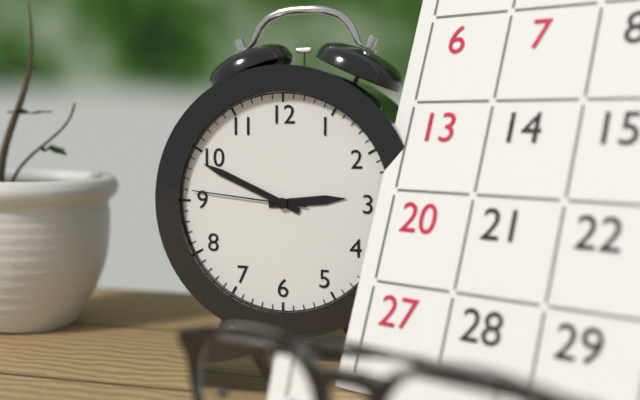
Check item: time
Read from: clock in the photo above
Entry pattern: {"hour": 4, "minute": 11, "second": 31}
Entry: {"hour": 2, "minute": 49, "second": 46}
